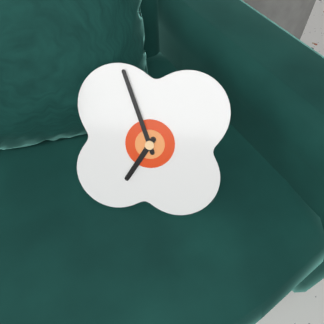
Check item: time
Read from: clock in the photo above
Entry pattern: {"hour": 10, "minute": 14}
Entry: {"hour": 6, "minute": 56}
